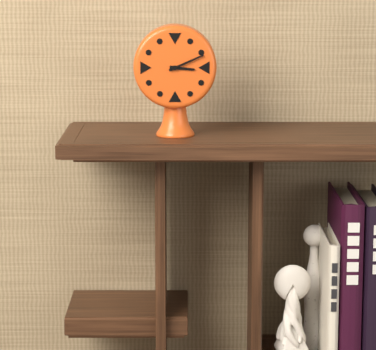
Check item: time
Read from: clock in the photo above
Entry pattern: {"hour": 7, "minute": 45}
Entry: {"hour": 3, "minute": 11}
